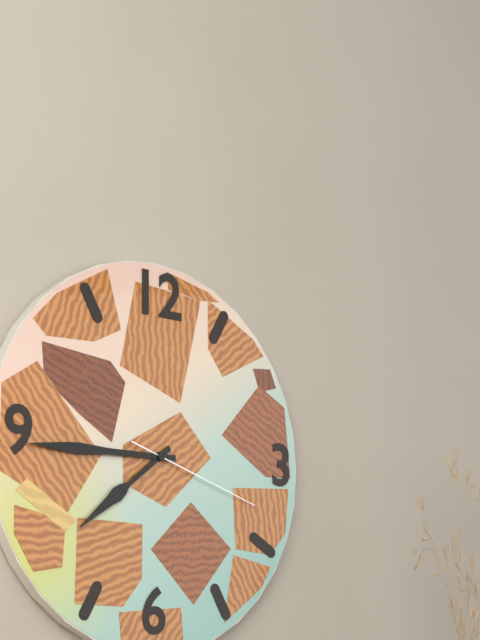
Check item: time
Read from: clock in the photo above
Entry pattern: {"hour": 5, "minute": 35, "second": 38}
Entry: {"hour": 7, "minute": 45, "second": 18}
